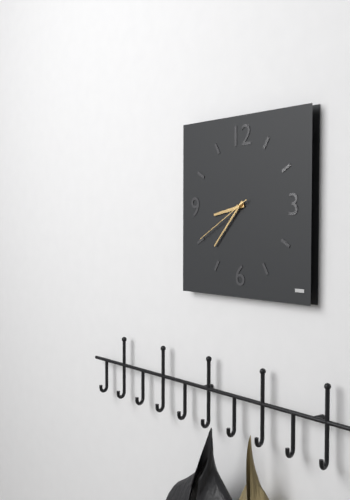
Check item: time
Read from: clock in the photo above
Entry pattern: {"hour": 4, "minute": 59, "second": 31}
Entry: {"hour": 8, "minute": 37, "second": 40}
